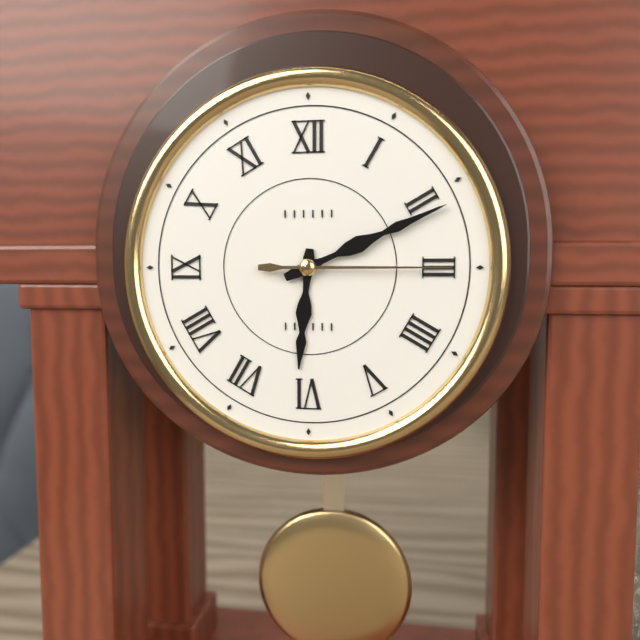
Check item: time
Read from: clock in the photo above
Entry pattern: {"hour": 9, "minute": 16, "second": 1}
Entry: {"hour": 6, "minute": 11, "second": 15}
